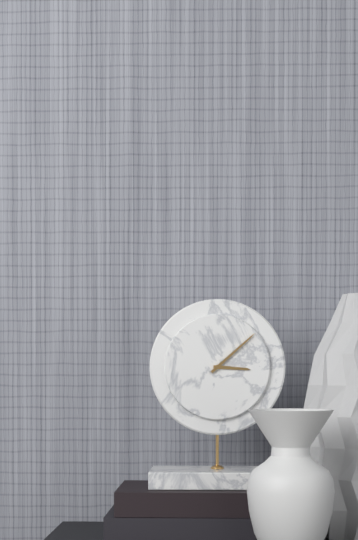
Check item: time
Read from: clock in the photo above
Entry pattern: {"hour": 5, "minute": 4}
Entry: {"hour": 3, "minute": 8}
